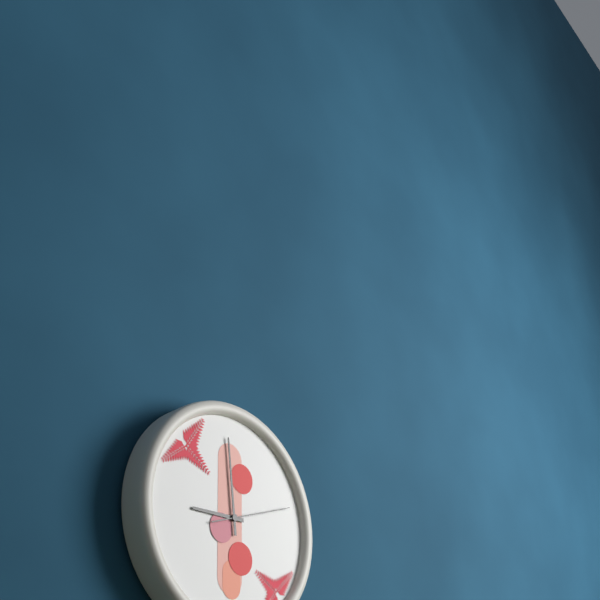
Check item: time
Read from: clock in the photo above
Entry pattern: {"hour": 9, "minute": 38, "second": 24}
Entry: {"hour": 8, "minute": 59, "second": 12}
